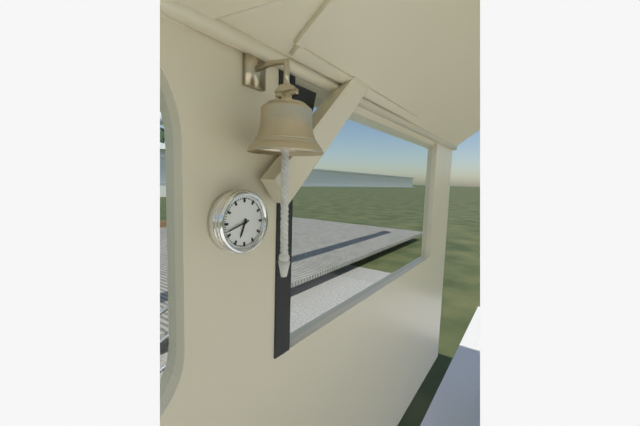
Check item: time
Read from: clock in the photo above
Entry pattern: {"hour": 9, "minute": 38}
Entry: {"hour": 6, "minute": 42}
